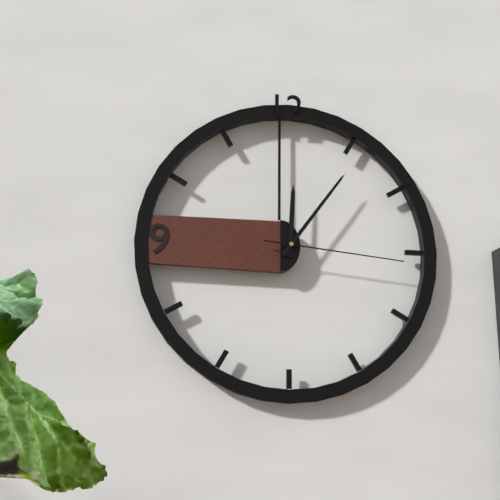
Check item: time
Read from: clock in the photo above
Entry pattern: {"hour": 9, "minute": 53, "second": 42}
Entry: {"hour": 12, "minute": 6, "second": 16}
